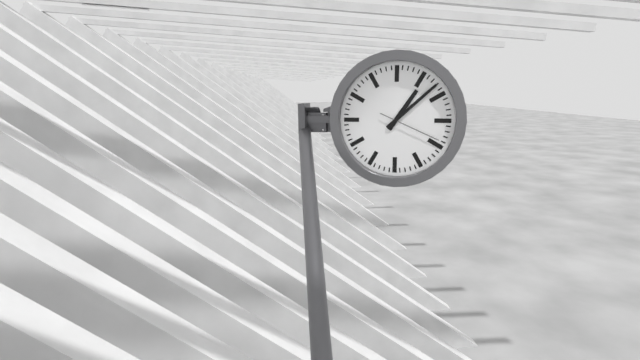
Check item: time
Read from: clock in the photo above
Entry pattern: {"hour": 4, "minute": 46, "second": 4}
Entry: {"hour": 1, "minute": 8, "second": 19}
